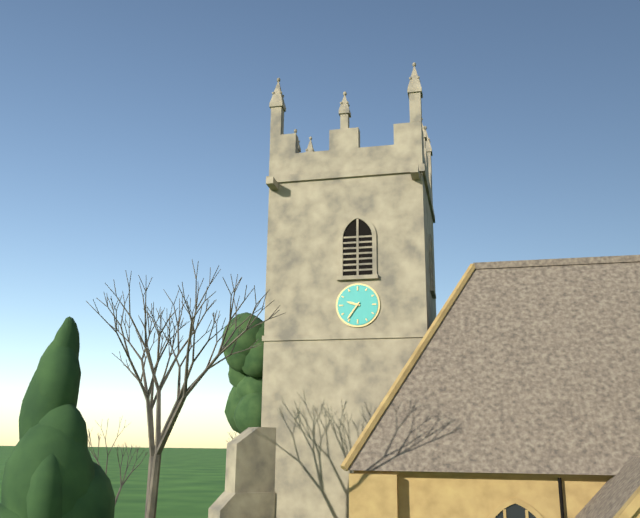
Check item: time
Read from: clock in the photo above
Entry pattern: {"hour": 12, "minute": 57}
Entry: {"hour": 9, "minute": 36}
